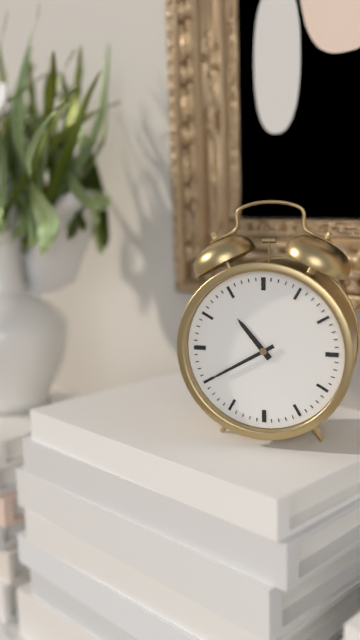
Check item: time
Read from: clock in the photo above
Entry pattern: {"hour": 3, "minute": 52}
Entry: {"hour": 10, "minute": 40}
